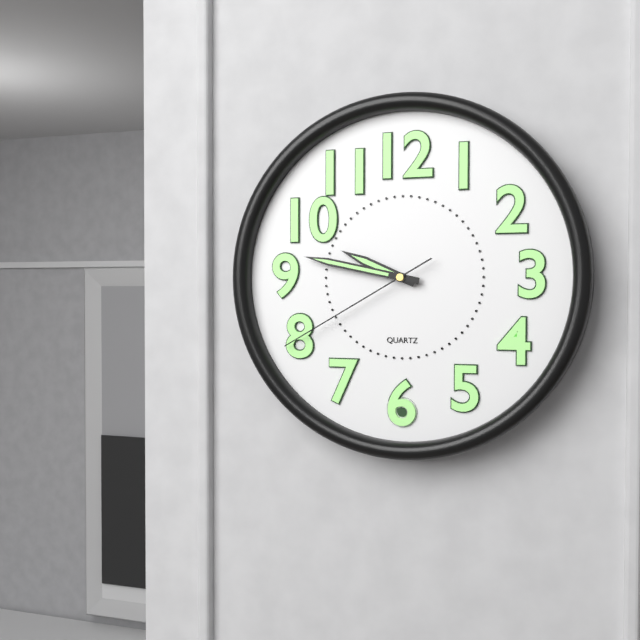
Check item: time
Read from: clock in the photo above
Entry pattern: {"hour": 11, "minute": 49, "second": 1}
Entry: {"hour": 9, "minute": 47, "second": 40}
